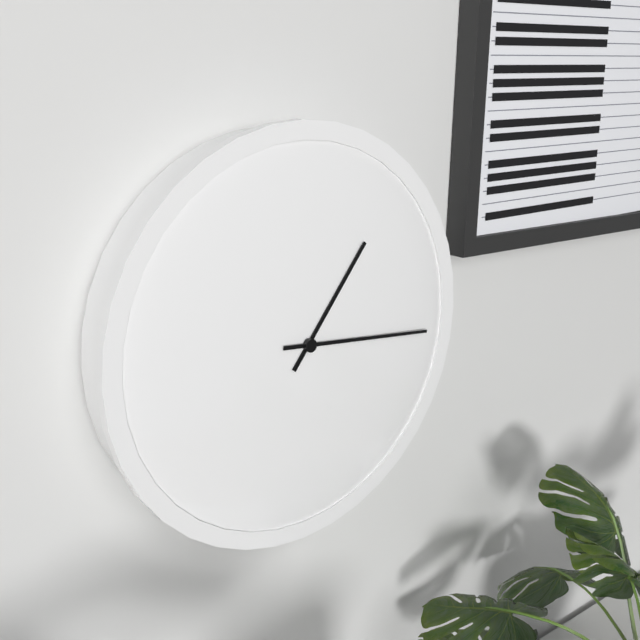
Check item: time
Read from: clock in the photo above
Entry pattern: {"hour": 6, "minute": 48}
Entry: {"hour": 1, "minute": 16}
